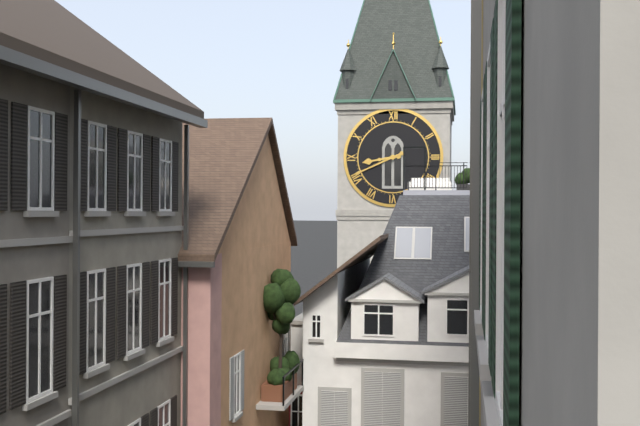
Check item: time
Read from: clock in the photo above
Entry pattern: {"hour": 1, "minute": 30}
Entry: {"hour": 8, "minute": 41}
